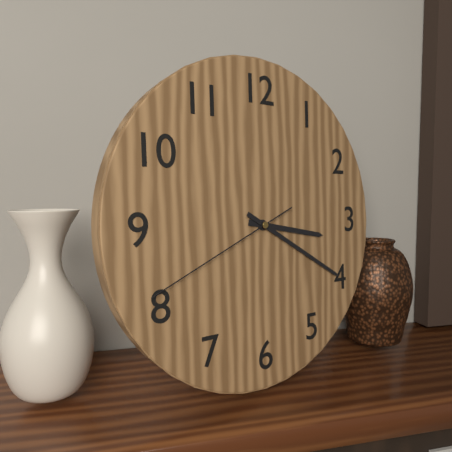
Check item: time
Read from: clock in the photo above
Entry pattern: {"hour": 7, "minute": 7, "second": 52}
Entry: {"hour": 3, "minute": 20, "second": 41}
